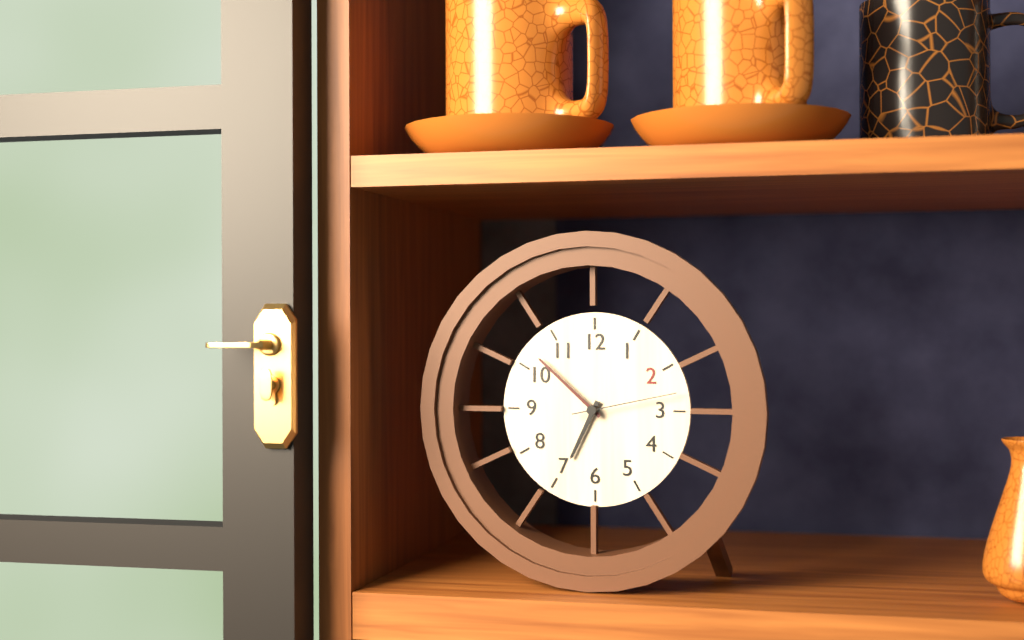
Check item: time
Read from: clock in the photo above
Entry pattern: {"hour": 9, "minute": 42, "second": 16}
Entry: {"hour": 6, "minute": 52, "second": 13}
